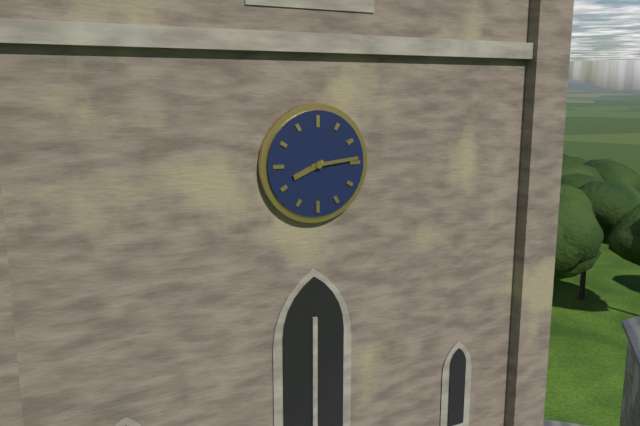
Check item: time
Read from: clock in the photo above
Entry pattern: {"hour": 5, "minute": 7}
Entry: {"hour": 8, "minute": 14}
